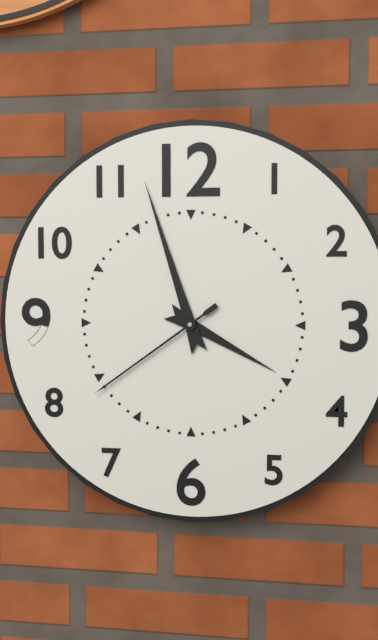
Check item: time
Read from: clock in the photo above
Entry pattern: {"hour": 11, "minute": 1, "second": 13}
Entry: {"hour": 3, "minute": 57, "second": 39}
